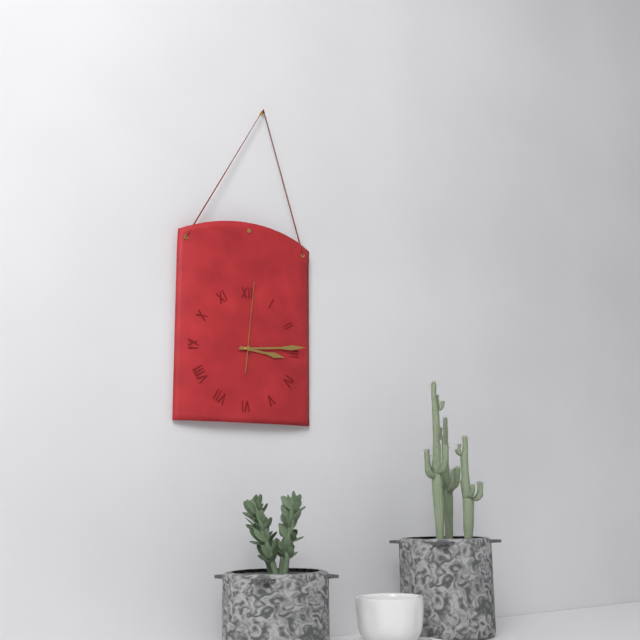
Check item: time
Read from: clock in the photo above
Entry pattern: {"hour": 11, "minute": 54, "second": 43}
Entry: {"hour": 3, "minute": 14, "second": 1}
